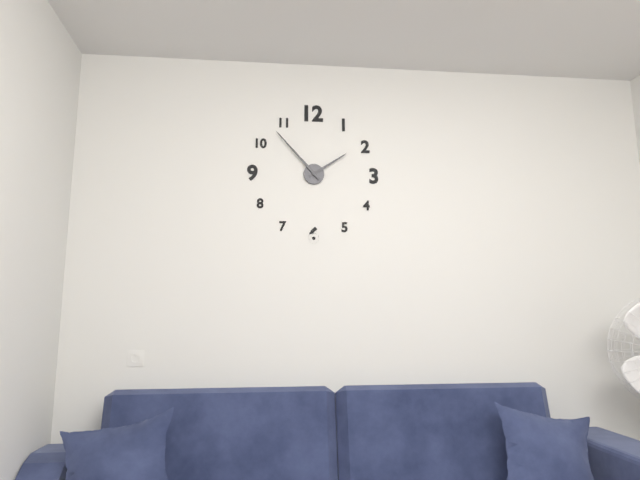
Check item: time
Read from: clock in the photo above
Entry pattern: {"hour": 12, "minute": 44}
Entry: {"hour": 1, "minute": 53}
